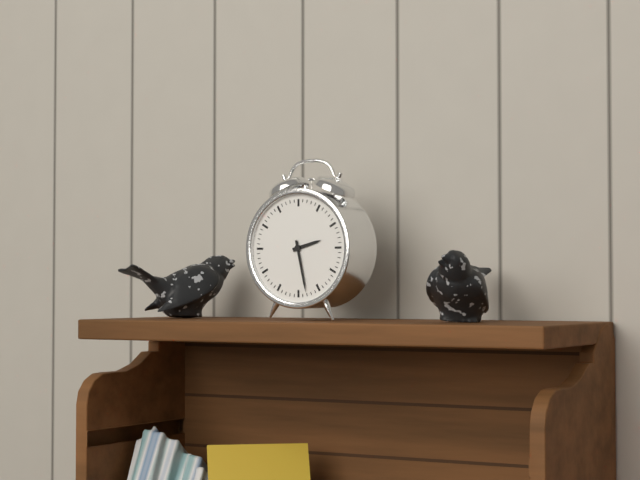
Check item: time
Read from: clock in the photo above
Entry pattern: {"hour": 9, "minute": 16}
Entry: {"hour": 2, "minute": 28}
